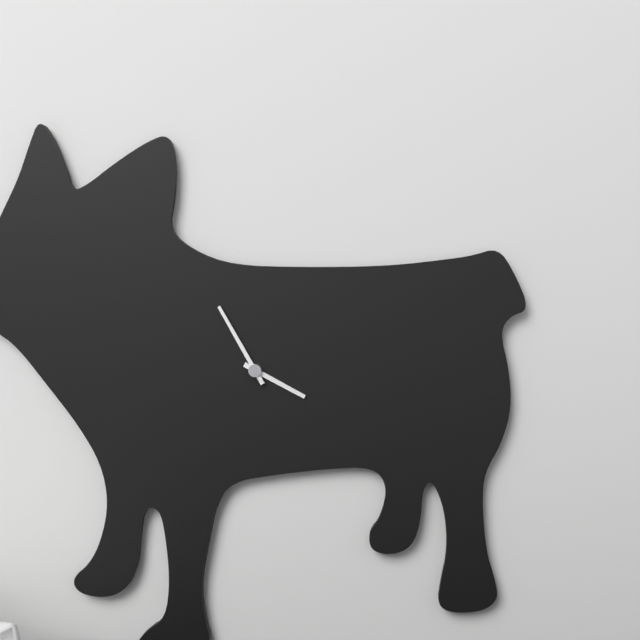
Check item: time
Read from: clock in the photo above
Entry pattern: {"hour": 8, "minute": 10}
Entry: {"hour": 3, "minute": 55}
